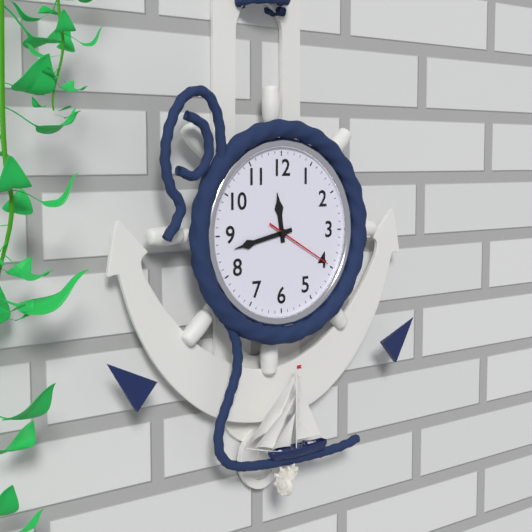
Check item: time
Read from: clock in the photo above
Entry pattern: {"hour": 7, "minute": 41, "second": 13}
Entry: {"hour": 11, "minute": 43, "second": 20}
